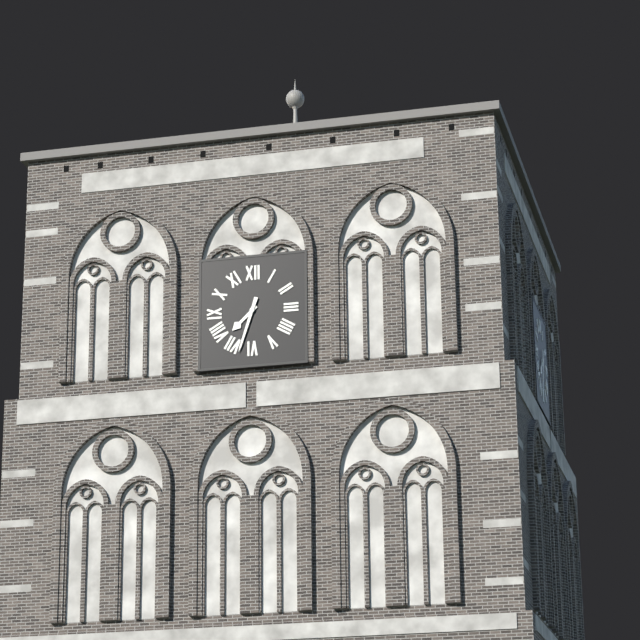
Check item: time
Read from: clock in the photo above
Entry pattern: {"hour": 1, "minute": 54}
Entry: {"hour": 7, "minute": 33}
